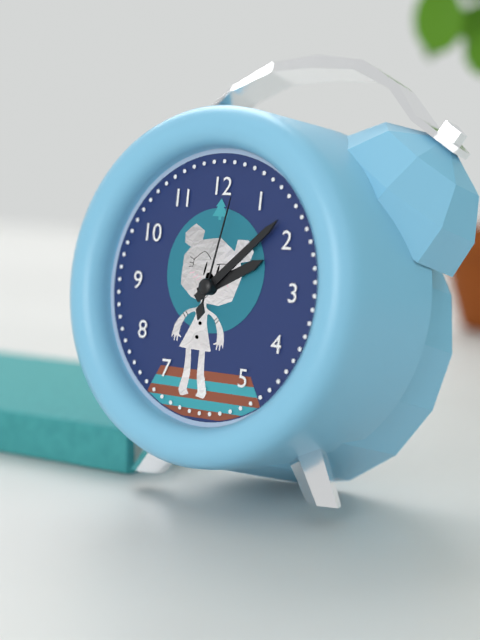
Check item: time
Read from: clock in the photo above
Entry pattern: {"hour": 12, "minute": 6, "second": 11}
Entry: {"hour": 2, "minute": 8, "second": 2}
